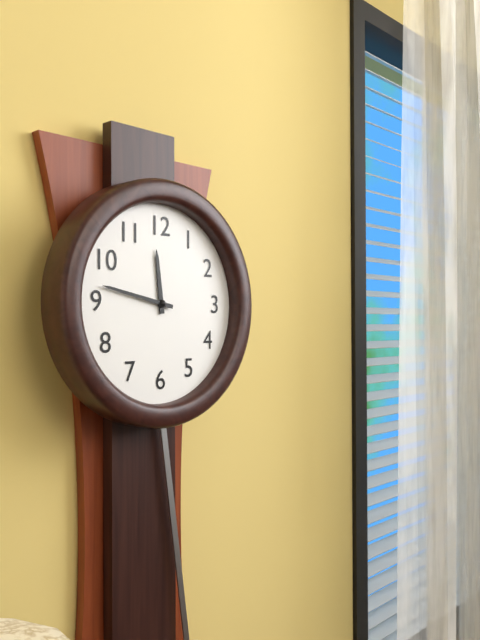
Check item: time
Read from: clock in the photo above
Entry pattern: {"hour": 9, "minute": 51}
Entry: {"hour": 11, "minute": 47}
